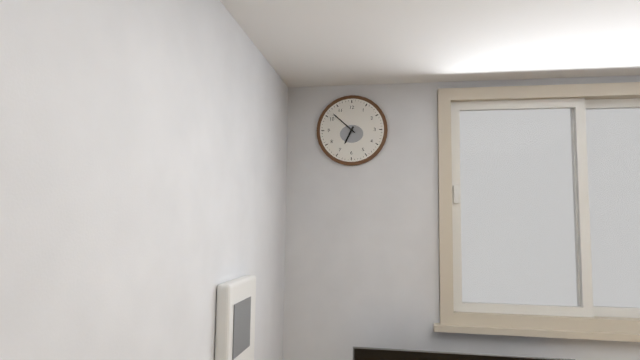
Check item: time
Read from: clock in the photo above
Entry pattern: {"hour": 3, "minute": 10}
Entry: {"hour": 6, "minute": 52}
